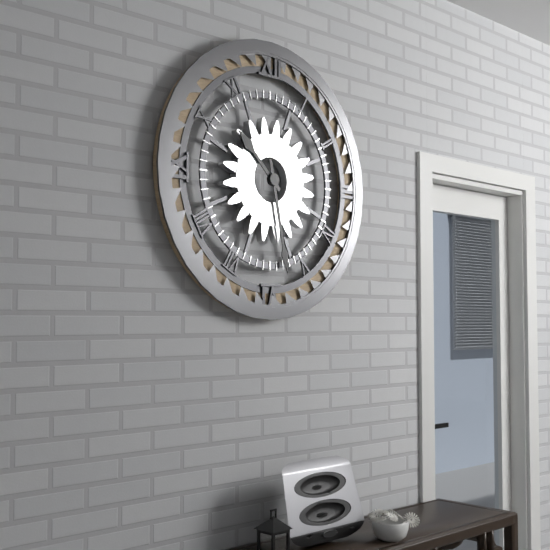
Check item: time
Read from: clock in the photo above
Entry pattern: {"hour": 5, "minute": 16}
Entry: {"hour": 10, "minute": 28}
